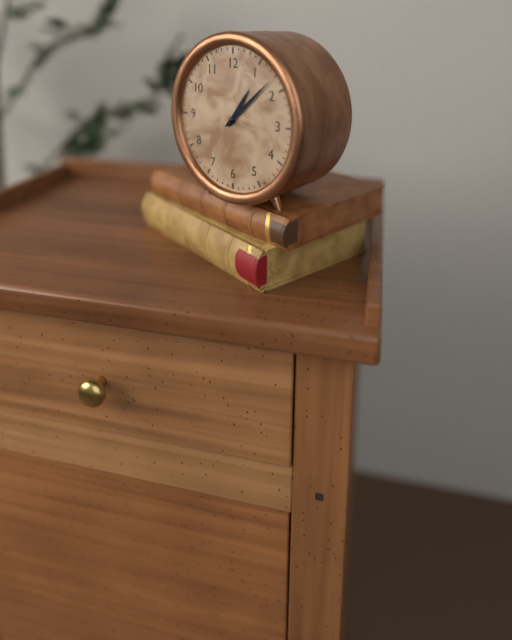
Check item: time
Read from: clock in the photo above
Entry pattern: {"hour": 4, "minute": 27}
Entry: {"hour": 1, "minute": 8}
